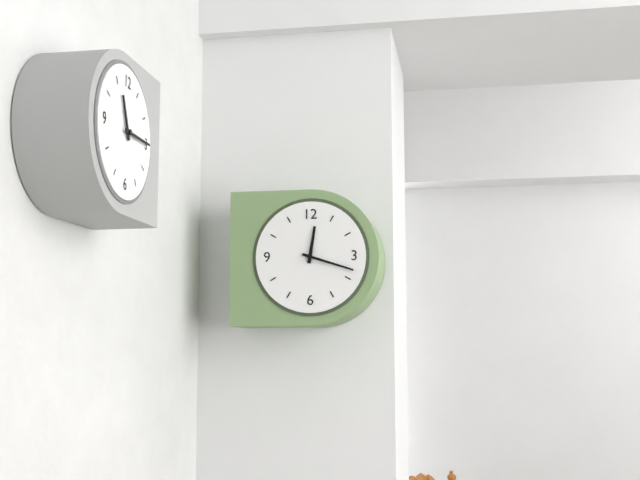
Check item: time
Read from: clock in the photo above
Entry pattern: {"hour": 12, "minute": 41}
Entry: {"hour": 12, "minute": 18}
